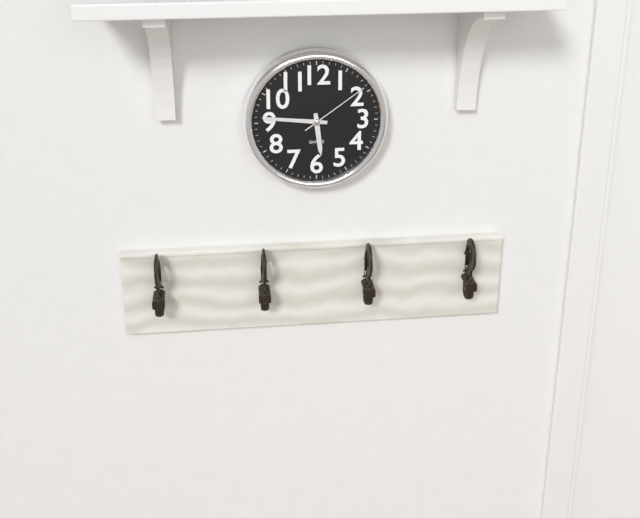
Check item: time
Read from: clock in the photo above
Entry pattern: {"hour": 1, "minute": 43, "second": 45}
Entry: {"hour": 5, "minute": 46, "second": 9}
